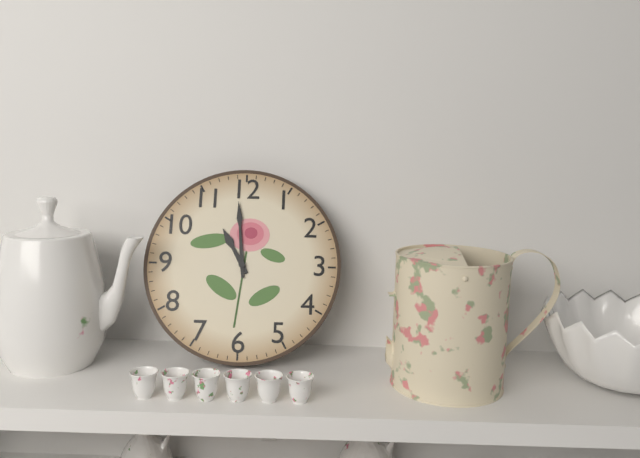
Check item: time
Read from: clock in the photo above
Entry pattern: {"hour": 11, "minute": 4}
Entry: {"hour": 10, "minute": 59}
